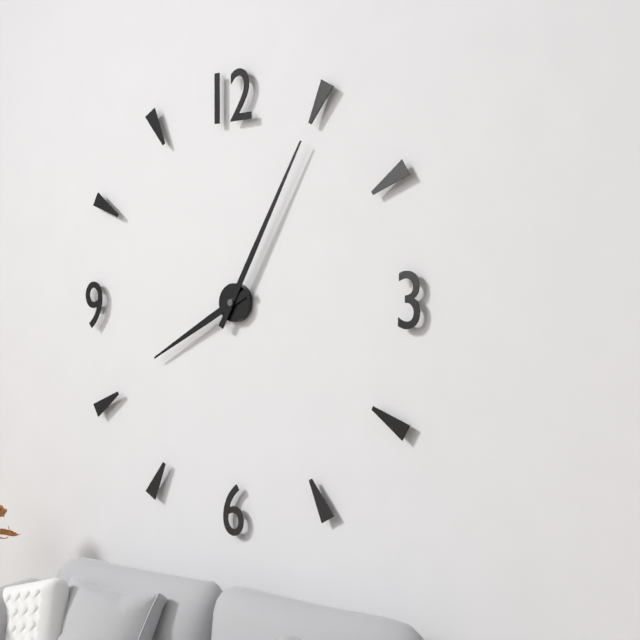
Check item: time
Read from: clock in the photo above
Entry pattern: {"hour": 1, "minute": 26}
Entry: {"hour": 8, "minute": 5}
